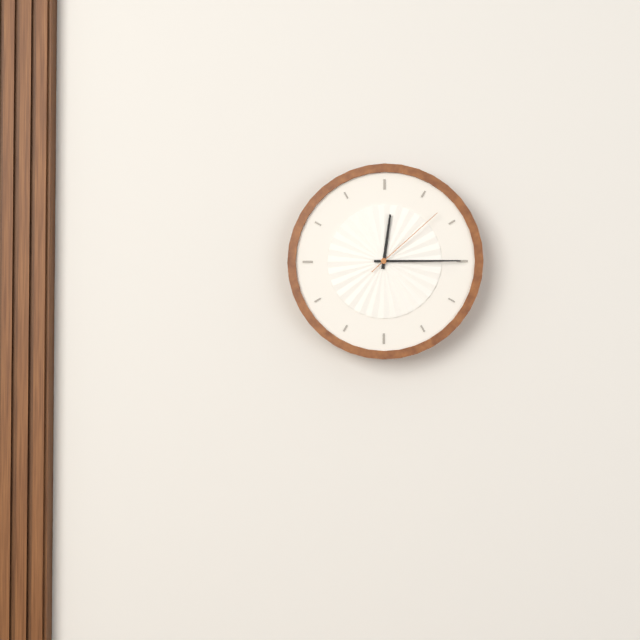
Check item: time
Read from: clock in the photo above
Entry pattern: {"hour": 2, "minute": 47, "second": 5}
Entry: {"hour": 12, "minute": 15, "second": 8}
